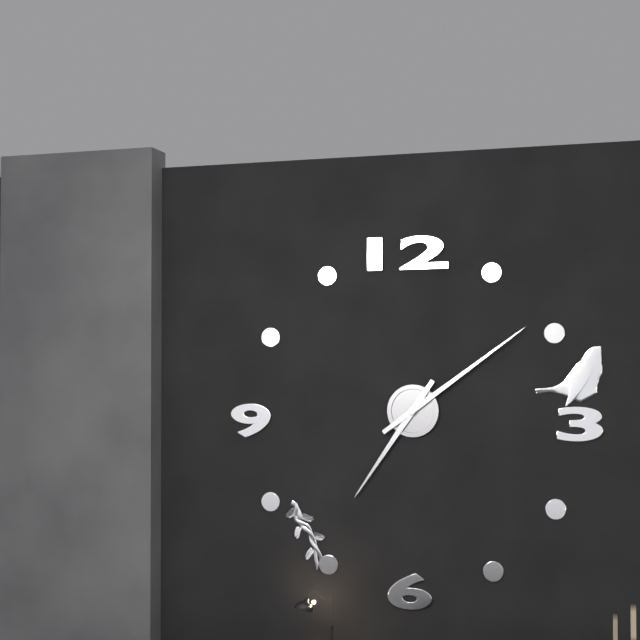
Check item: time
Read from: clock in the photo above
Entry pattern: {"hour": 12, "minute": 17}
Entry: {"hour": 7, "minute": 9}
